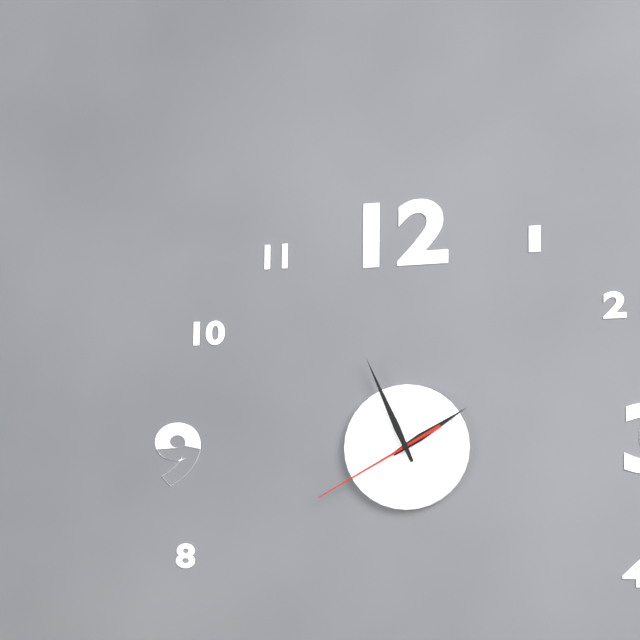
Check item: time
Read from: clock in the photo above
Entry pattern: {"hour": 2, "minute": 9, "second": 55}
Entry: {"hour": 1, "minute": 56, "second": 40}
